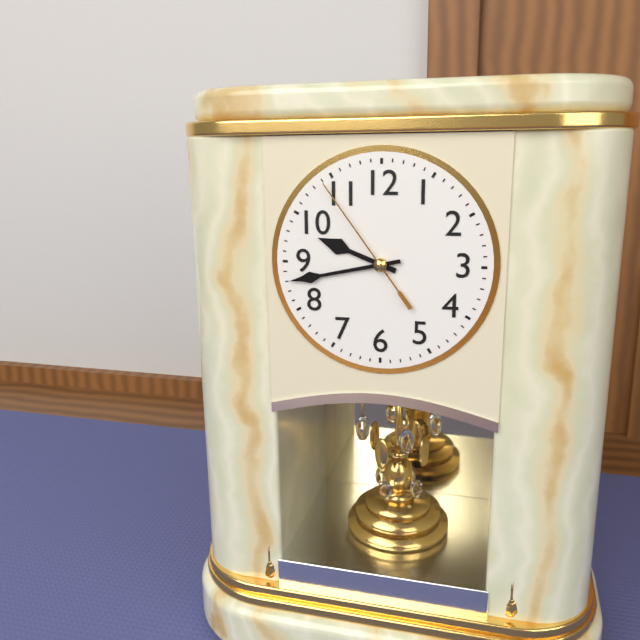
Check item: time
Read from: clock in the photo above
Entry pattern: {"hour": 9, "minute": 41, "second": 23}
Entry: {"hour": 9, "minute": 43, "second": 54}
